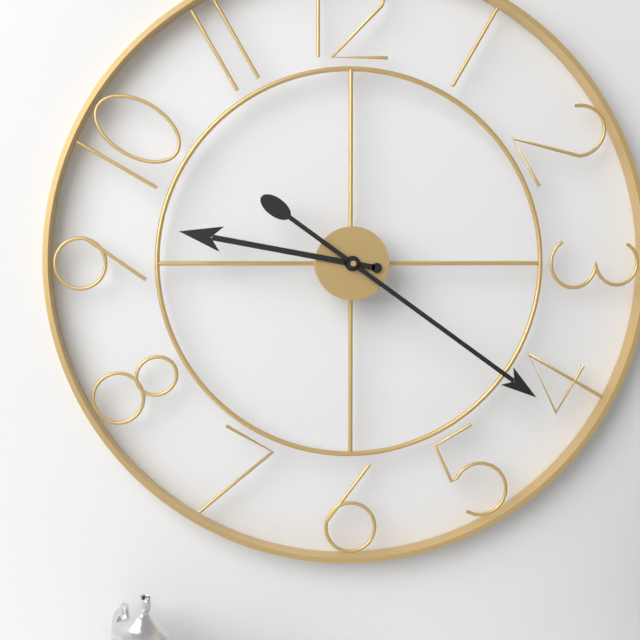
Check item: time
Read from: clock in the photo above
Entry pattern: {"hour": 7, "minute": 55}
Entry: {"hour": 9, "minute": 21}
